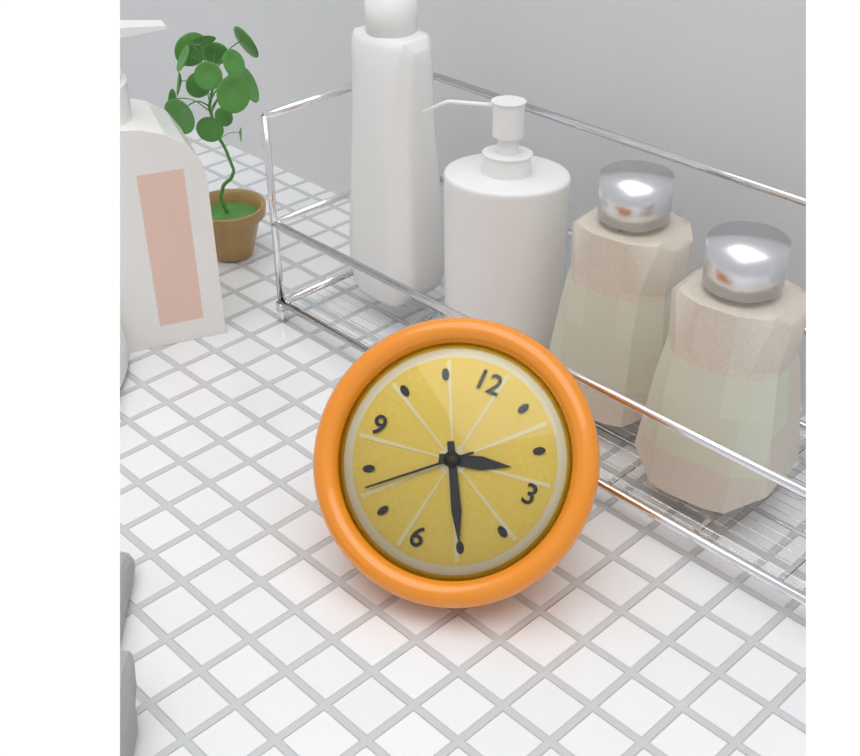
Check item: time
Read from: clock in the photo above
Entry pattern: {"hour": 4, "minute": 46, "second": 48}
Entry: {"hour": 2, "minute": 25, "second": 38}
